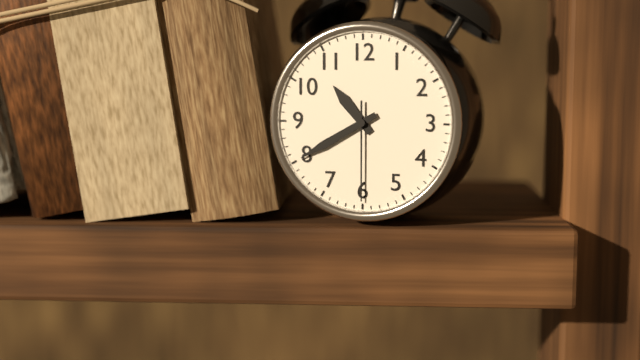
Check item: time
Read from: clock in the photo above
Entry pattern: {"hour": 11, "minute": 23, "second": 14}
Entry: {"hour": 10, "minute": 40, "second": 30}
